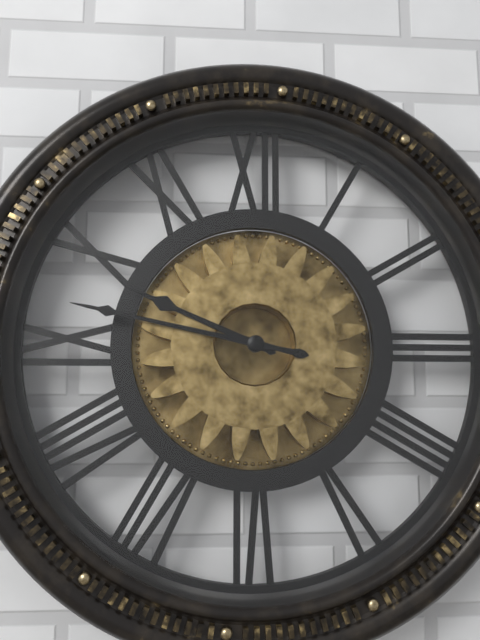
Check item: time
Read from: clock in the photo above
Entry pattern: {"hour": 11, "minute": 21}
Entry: {"hour": 9, "minute": 47}
